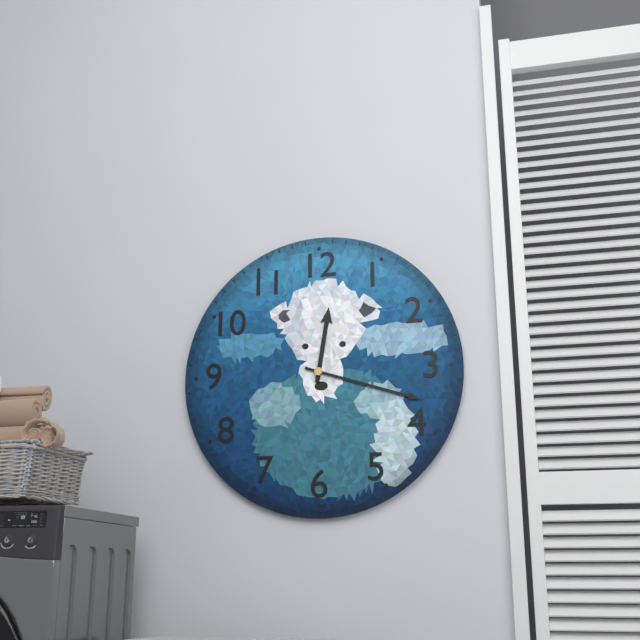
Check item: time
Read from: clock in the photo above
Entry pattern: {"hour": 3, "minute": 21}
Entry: {"hour": 12, "minute": 18}
